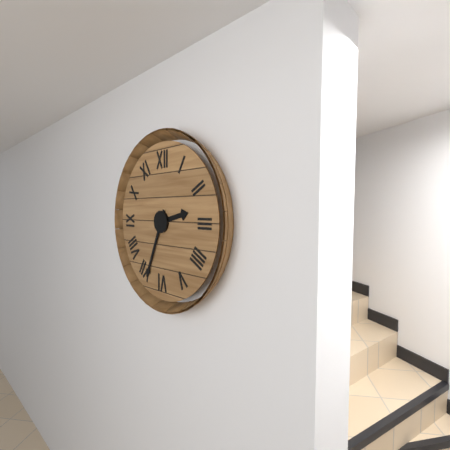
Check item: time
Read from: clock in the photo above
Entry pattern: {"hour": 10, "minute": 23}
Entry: {"hour": 2, "minute": 34}
